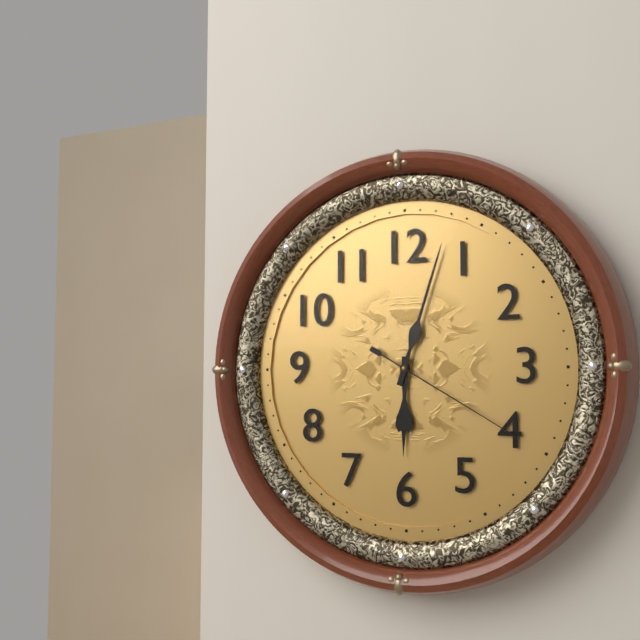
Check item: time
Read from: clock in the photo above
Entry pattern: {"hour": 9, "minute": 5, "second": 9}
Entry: {"hour": 6, "minute": 3, "second": 20}
